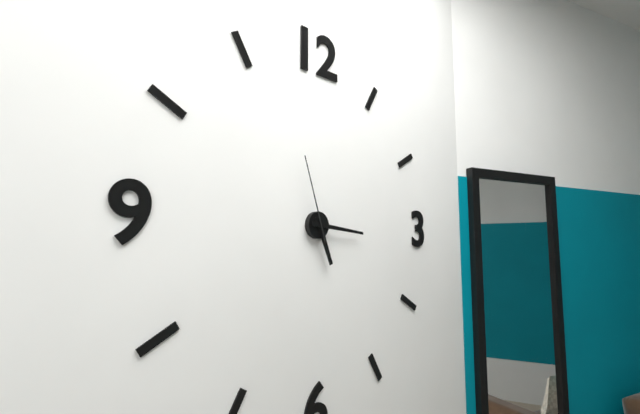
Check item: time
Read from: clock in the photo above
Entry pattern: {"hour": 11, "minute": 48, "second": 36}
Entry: {"hour": 5, "minute": 16, "second": 57}
